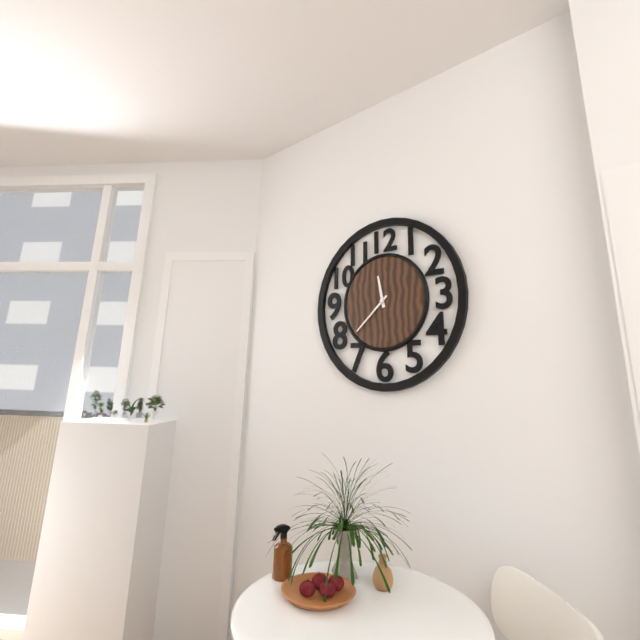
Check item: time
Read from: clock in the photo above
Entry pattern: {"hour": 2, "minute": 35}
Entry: {"hour": 11, "minute": 38}
